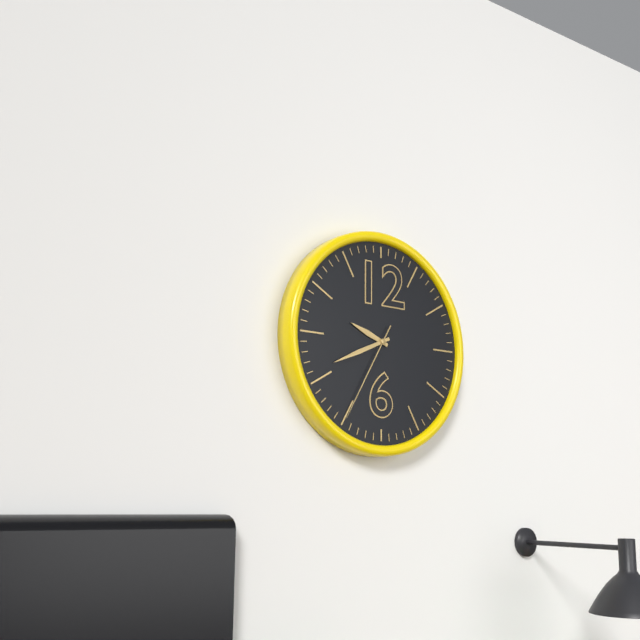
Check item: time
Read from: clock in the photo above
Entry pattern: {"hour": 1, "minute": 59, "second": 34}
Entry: {"hour": 9, "minute": 41, "second": 35}
